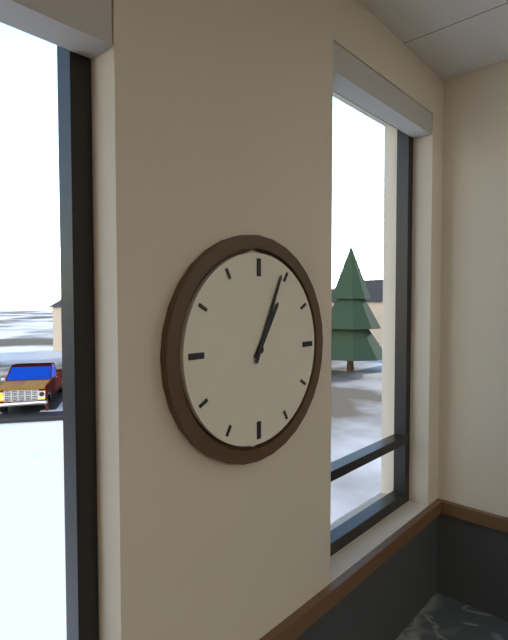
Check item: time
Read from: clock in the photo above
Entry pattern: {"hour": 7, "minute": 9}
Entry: {"hour": 1, "minute": 4}
